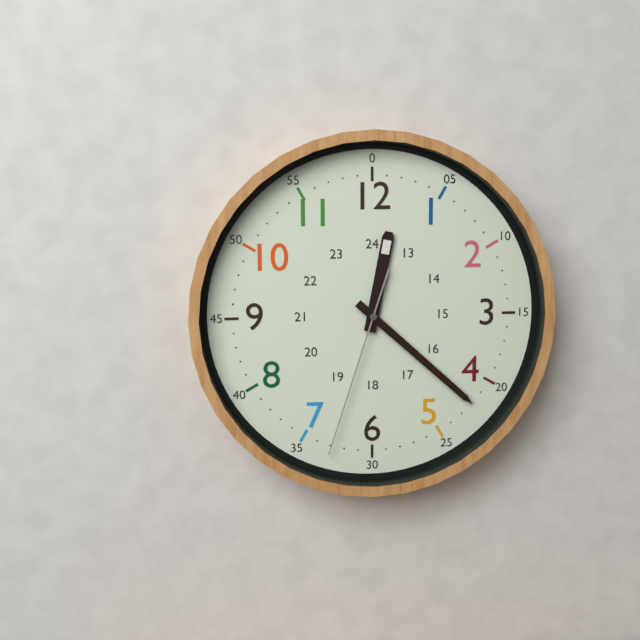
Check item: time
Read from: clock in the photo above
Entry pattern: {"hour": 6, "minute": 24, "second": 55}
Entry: {"hour": 12, "minute": 22, "second": 33}
